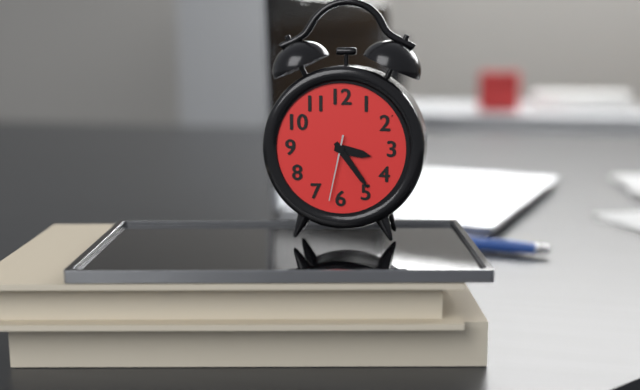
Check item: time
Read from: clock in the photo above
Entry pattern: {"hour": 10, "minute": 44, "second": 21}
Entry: {"hour": 3, "minute": 24, "second": 32}
